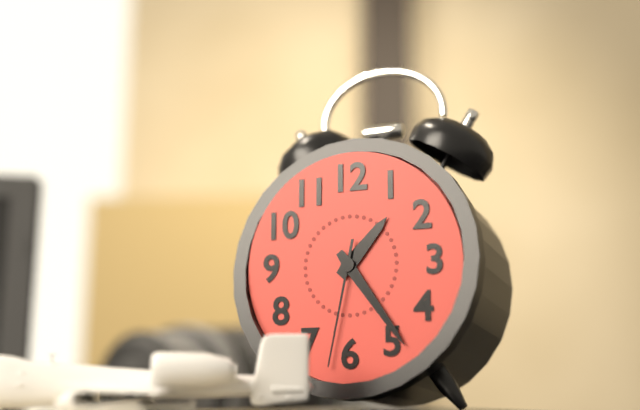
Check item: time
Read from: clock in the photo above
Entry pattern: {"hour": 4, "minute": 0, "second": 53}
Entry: {"hour": 1, "minute": 24, "second": 32}
